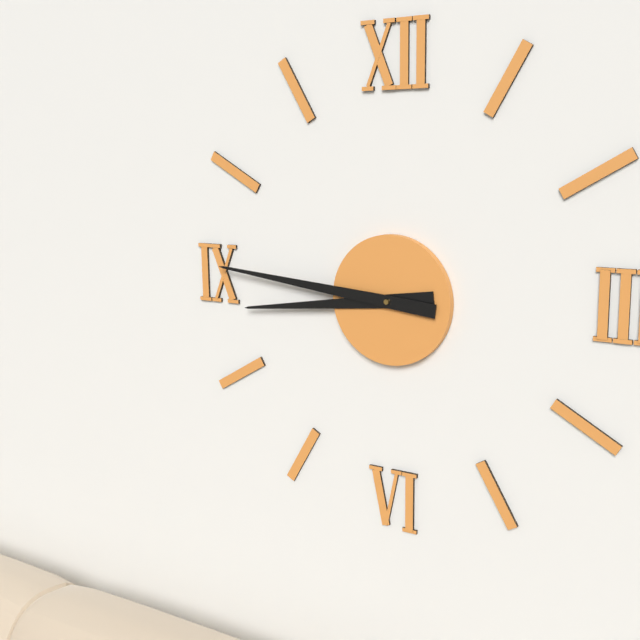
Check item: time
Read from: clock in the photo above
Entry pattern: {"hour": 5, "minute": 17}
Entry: {"hour": 8, "minute": 46}
